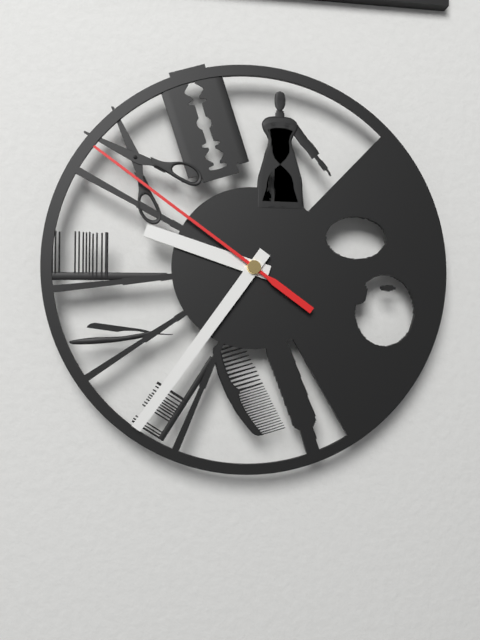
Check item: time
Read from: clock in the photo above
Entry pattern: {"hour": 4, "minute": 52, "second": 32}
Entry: {"hour": 9, "minute": 36, "second": 51}
